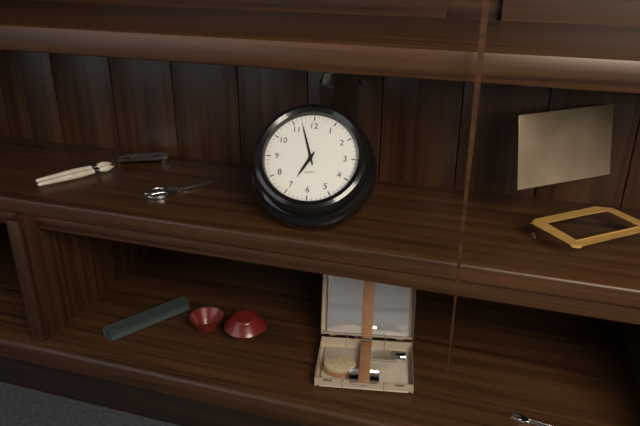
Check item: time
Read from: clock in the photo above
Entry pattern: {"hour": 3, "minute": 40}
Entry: {"hour": 6, "minute": 57}
